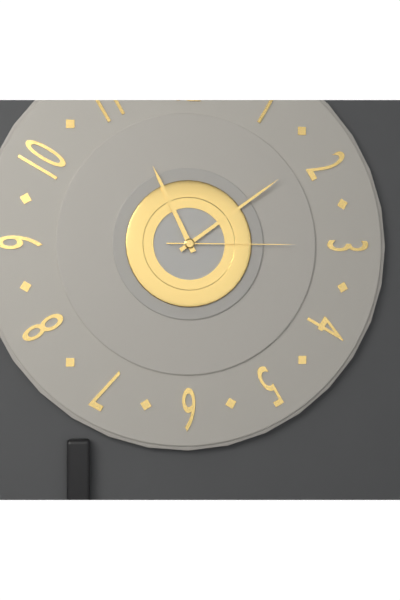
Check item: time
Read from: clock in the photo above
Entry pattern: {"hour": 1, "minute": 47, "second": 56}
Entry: {"hour": 11, "minute": 9, "second": 15}
